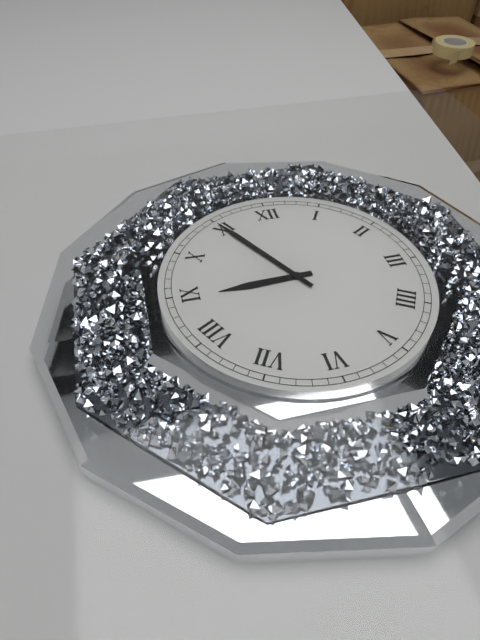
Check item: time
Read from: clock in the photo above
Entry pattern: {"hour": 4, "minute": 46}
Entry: {"hour": 8, "minute": 55}
